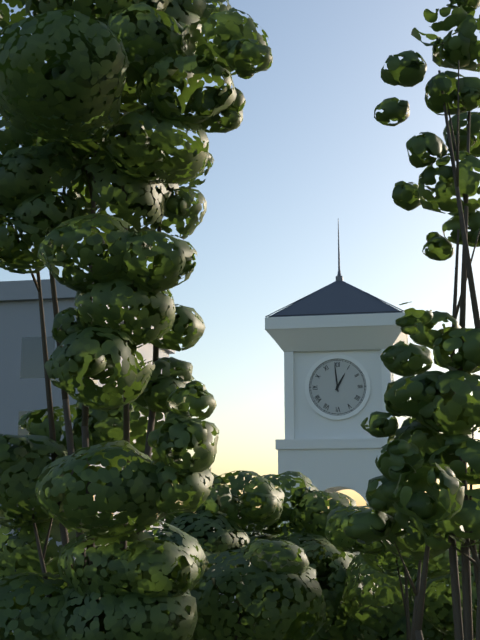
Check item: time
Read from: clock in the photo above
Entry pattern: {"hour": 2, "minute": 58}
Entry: {"hour": 12, "minute": 59}
